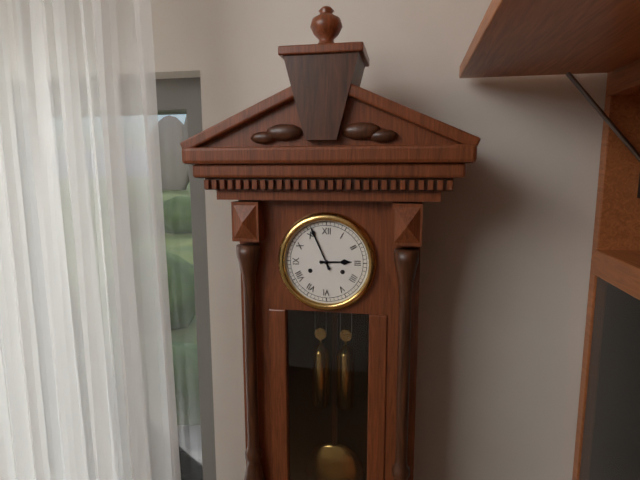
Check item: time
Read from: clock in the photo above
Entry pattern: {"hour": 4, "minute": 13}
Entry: {"hour": 2, "minute": 56}
